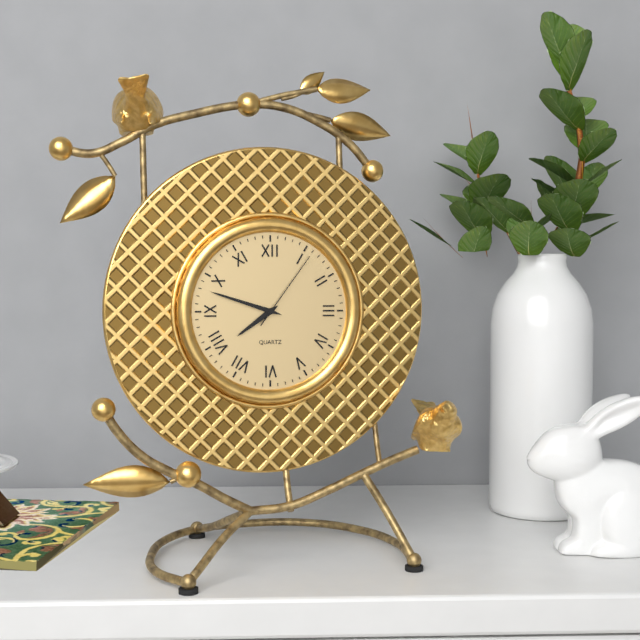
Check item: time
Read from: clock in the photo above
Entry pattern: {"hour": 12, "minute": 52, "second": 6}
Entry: {"hour": 7, "minute": 48, "second": 6}
